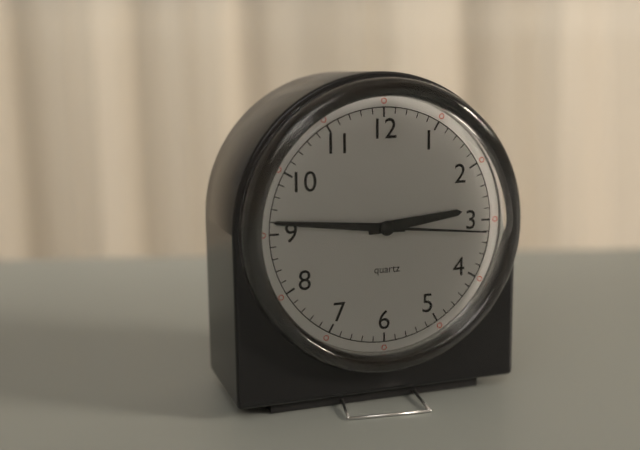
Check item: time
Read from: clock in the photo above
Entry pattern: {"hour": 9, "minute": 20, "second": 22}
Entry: {"hour": 2, "minute": 46, "second": 16}
